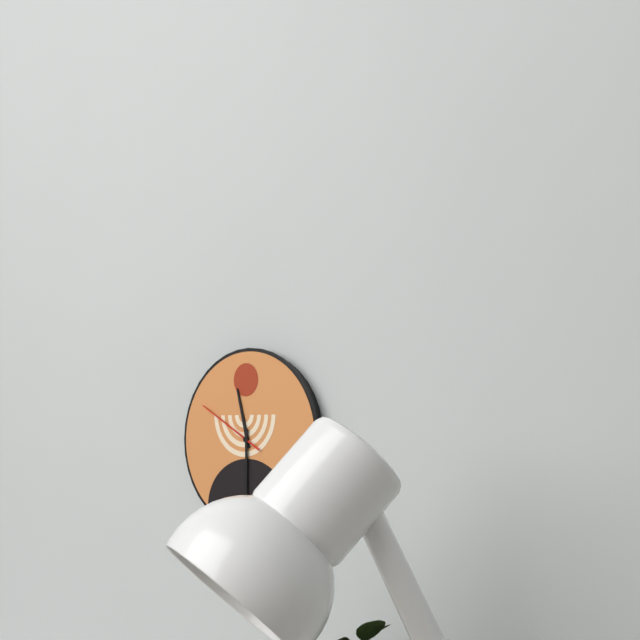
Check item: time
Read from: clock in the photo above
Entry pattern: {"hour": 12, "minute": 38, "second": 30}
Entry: {"hour": 11, "minute": 30, "second": 50}
